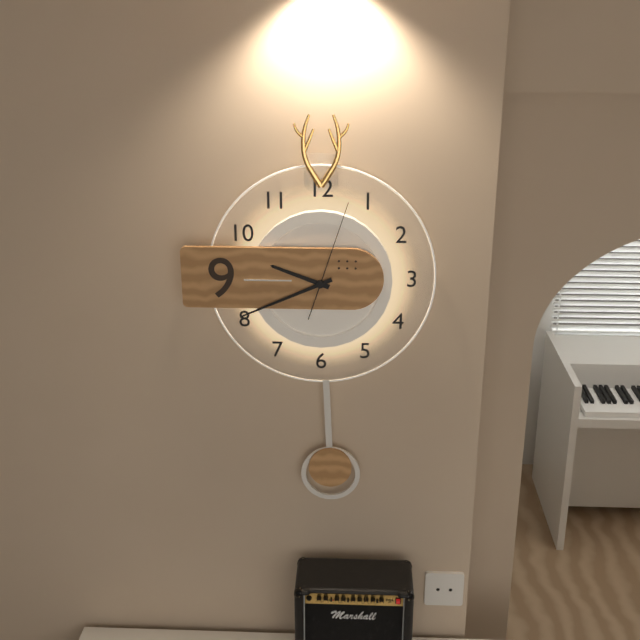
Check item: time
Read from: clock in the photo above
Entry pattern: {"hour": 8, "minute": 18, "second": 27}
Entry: {"hour": 9, "minute": 41, "second": 3}
